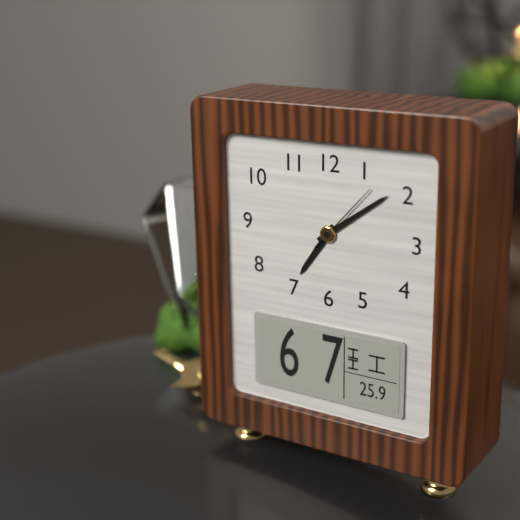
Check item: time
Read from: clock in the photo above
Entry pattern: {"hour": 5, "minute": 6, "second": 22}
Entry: {"hour": 7, "minute": 9, "second": 7}
